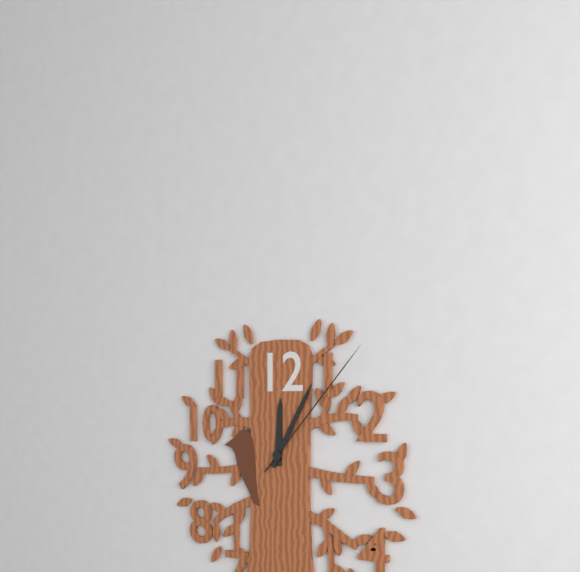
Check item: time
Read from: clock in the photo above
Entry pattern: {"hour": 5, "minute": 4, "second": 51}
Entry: {"hour": 12, "minute": 5, "second": 7}
